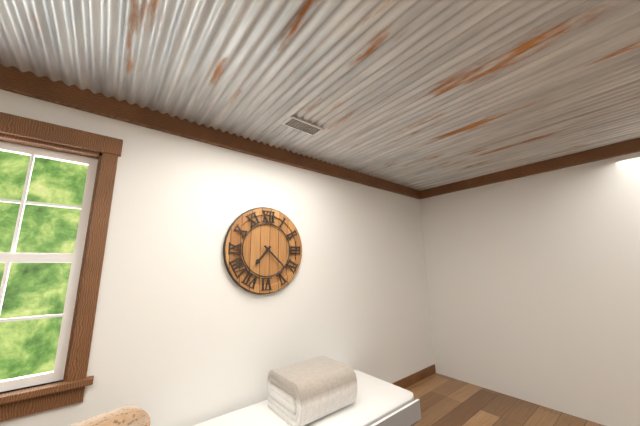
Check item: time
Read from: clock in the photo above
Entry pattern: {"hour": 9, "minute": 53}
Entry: {"hour": 7, "minute": 22}
